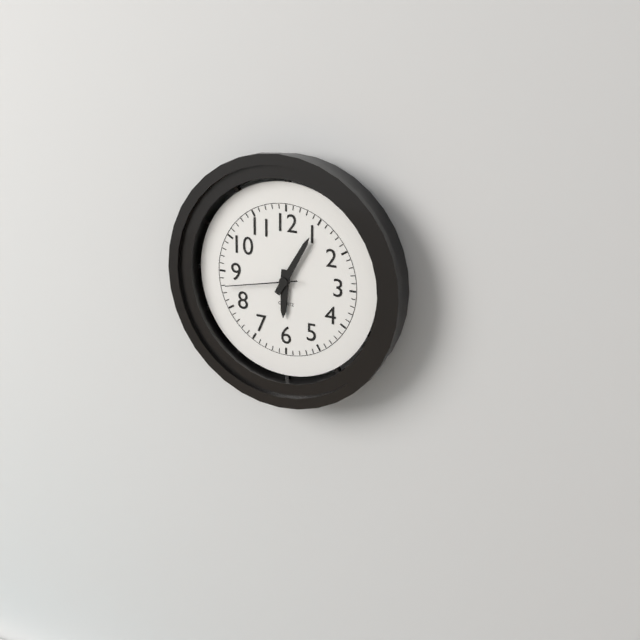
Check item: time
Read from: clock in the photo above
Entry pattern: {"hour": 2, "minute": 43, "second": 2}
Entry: {"hour": 6, "minute": 5, "second": 43}
